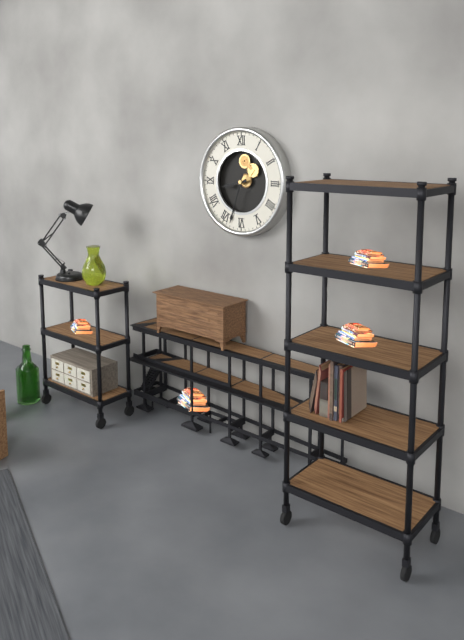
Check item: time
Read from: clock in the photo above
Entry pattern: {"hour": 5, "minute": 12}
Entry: {"hour": 8, "minute": 33}
